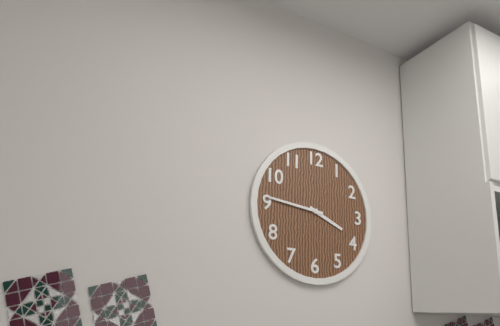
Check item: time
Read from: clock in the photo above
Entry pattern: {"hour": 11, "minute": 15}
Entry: {"hour": 3, "minute": 46}
